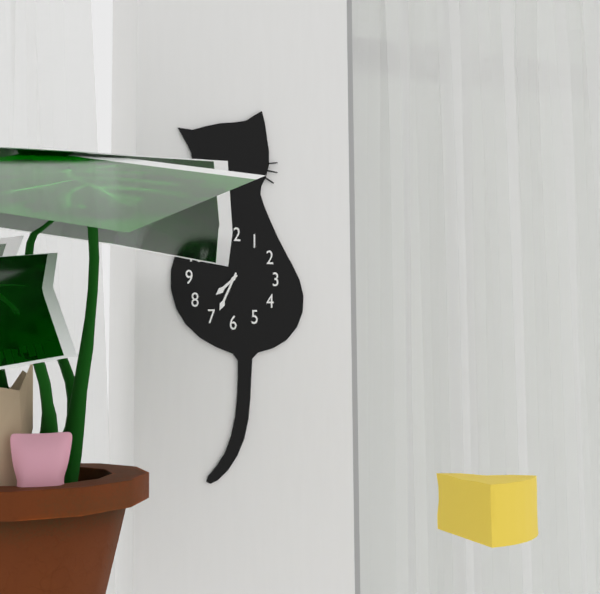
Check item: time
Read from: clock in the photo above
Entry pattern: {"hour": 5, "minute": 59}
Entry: {"hour": 7, "minute": 34}
